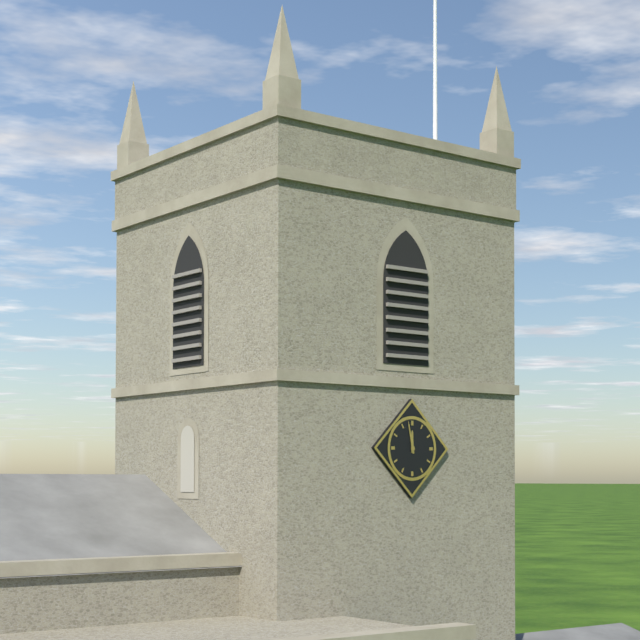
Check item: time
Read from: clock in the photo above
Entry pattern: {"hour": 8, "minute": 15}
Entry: {"hour": 11, "minute": 58}
